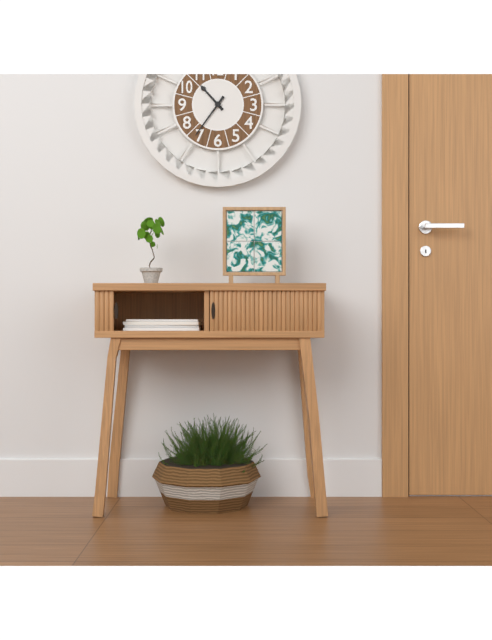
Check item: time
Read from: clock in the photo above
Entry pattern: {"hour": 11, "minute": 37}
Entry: {"hour": 10, "minute": 36}
